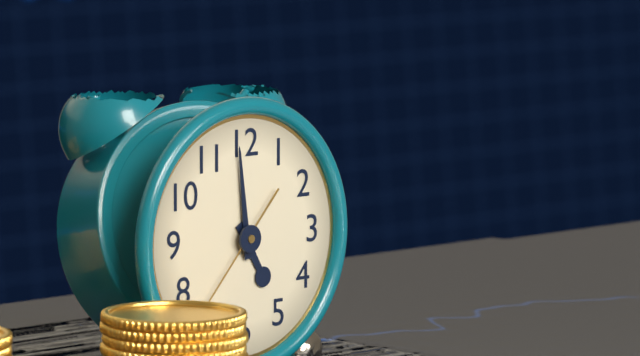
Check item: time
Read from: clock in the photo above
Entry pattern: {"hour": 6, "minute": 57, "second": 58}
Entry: {"hour": 4, "minute": 59, "second": 37}
